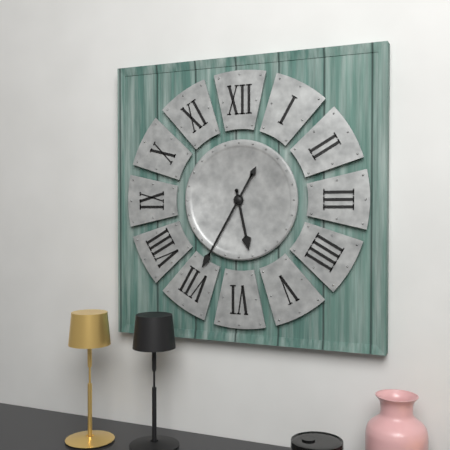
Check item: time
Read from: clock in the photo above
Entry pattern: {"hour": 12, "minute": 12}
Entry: {"hour": 5, "minute": 35}
